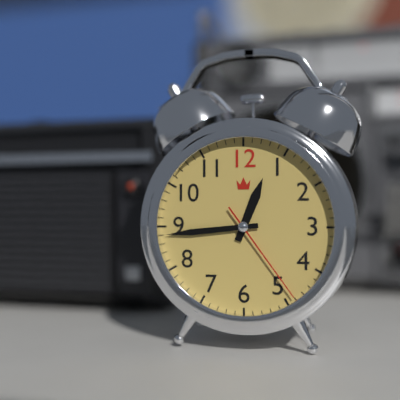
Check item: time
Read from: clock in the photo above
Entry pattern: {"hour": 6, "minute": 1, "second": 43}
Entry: {"hour": 12, "minute": 44, "second": 24}
